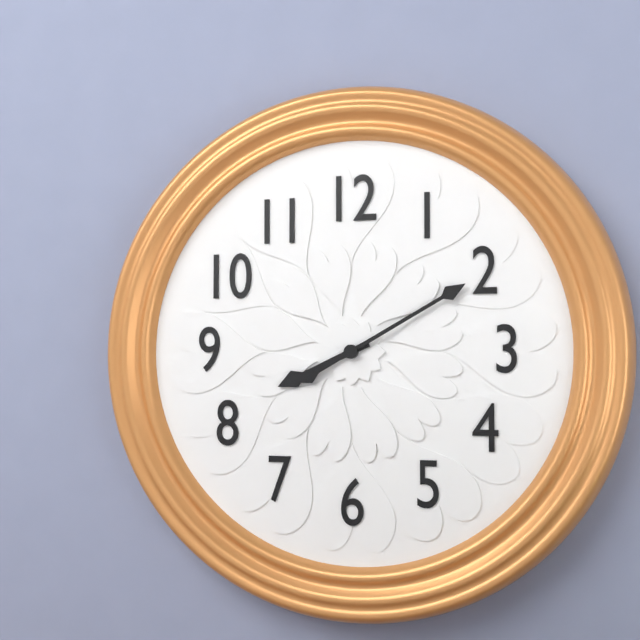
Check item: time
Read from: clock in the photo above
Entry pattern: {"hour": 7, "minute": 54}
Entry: {"hour": 8, "minute": 10}
